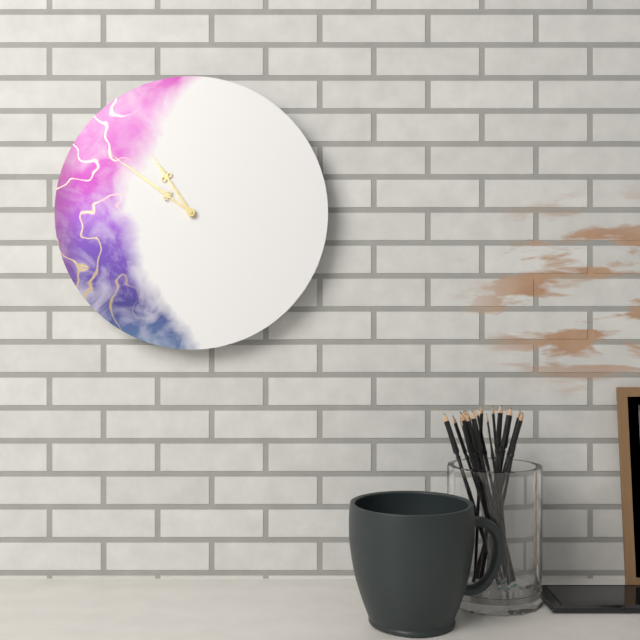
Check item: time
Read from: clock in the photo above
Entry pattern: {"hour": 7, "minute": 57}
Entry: {"hour": 10, "minute": 51}
